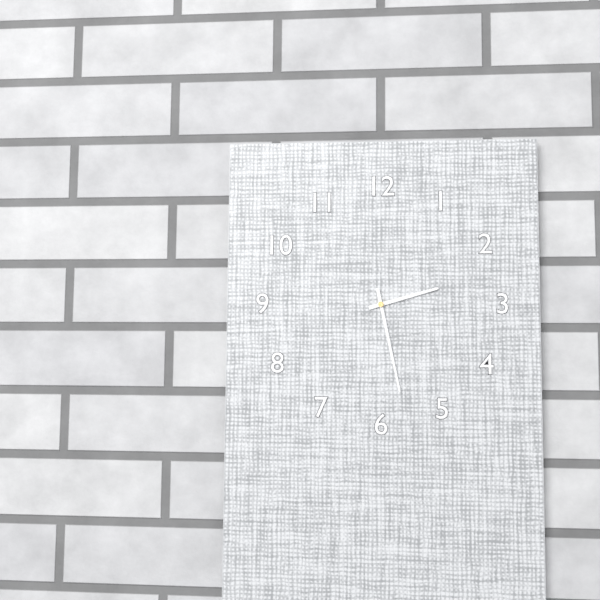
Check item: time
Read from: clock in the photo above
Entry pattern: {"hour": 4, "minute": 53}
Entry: {"hour": 2, "minute": 28}
